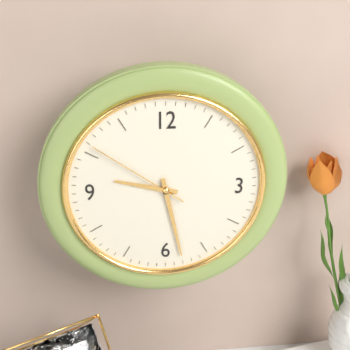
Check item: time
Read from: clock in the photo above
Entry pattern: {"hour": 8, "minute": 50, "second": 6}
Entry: {"hour": 9, "minute": 28, "second": 51}
